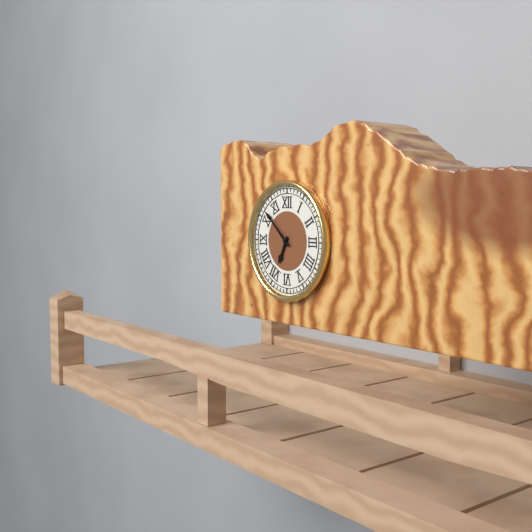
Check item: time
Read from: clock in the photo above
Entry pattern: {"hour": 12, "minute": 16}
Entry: {"hour": 6, "minute": 52}
